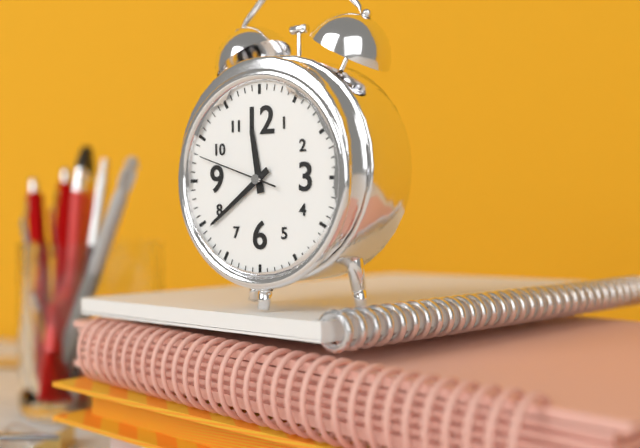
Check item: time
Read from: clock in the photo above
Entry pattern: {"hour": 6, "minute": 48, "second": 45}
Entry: {"hour": 11, "minute": 39, "second": 48}
